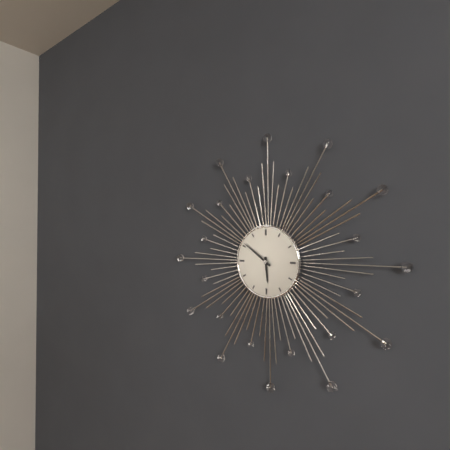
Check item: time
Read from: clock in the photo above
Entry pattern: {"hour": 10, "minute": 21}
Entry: {"hour": 5, "minute": 51}
